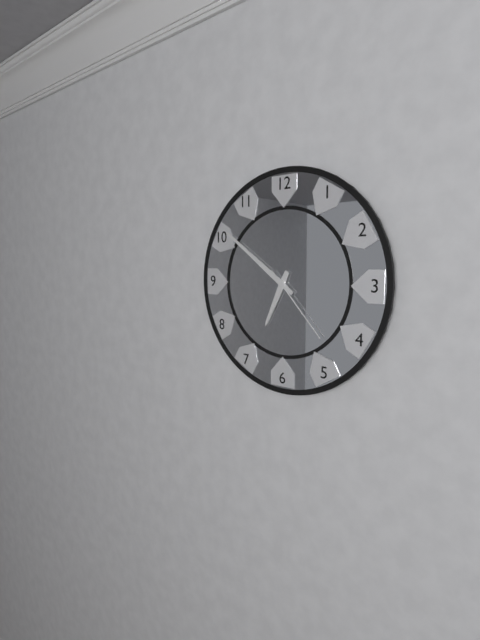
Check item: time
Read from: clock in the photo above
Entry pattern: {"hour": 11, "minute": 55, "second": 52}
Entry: {"hour": 6, "minute": 51, "second": 23}
